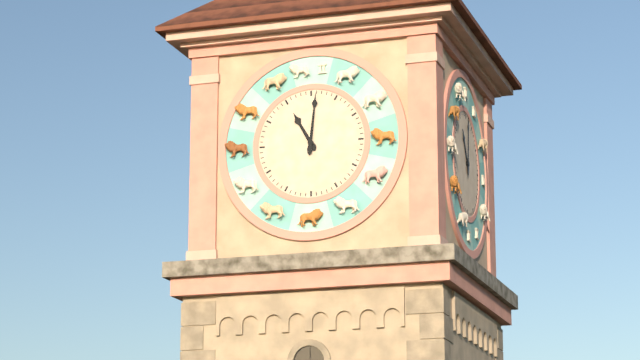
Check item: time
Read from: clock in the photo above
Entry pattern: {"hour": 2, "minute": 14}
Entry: {"hour": 11, "minute": 1}
